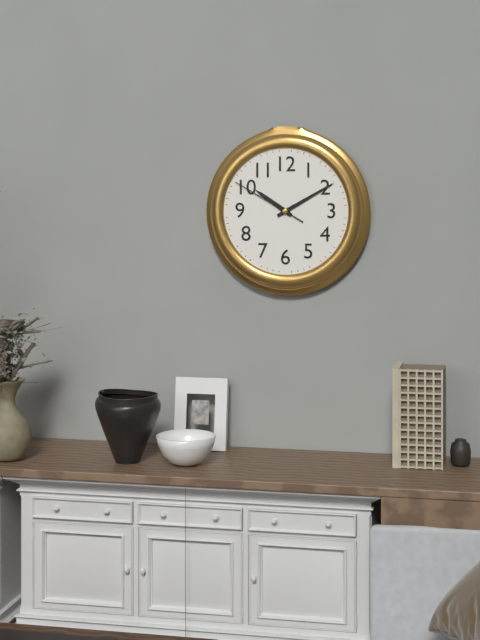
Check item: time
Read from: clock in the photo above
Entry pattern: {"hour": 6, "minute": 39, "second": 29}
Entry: {"hour": 10, "minute": 10, "second": 50}
